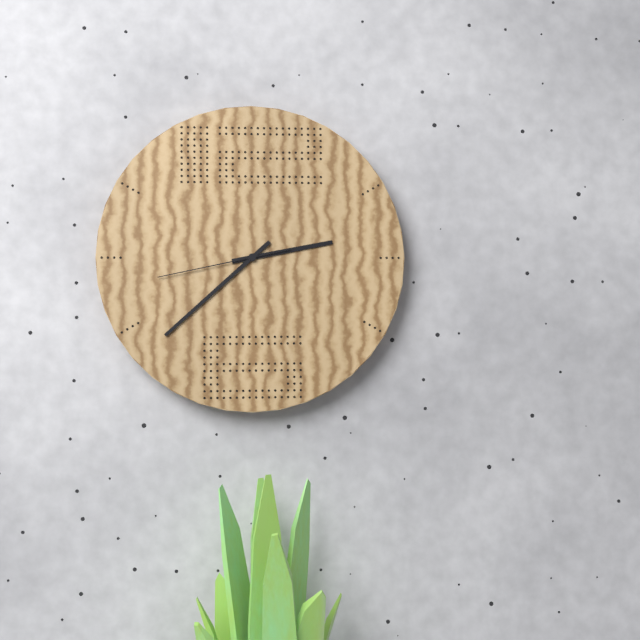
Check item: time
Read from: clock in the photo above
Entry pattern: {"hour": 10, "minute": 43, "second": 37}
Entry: {"hour": 2, "minute": 38, "second": 43}
